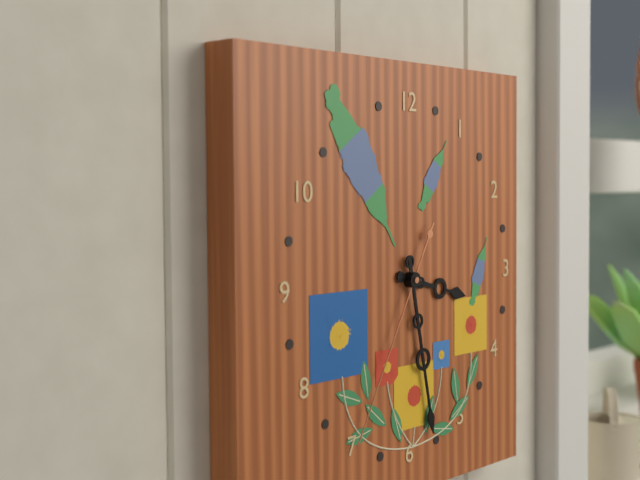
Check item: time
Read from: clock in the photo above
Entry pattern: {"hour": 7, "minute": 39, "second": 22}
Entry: {"hour": 3, "minute": 28, "second": 35}
